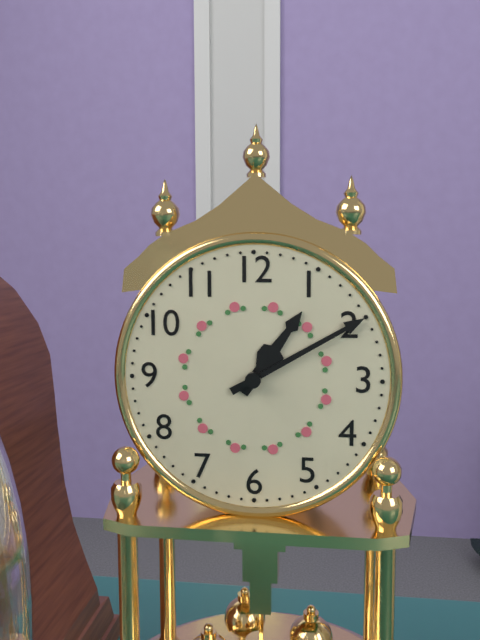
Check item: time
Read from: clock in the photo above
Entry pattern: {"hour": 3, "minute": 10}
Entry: {"hour": 1, "minute": 10}
